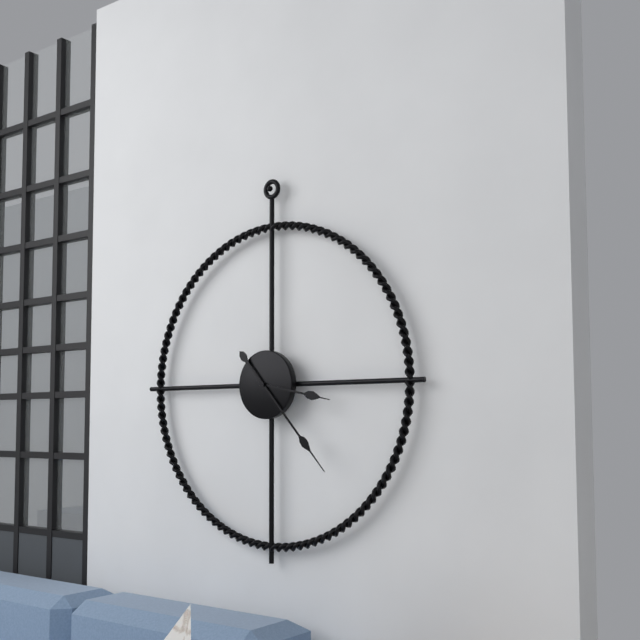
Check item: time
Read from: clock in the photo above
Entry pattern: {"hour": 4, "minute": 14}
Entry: {"hour": 3, "minute": 23}
